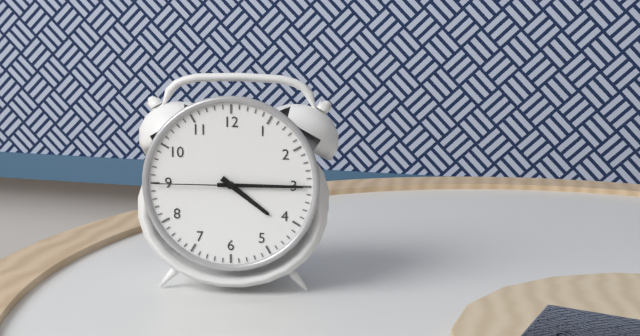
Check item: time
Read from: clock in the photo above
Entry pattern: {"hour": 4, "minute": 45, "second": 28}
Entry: {"hour": 4, "minute": 15, "second": 45}
